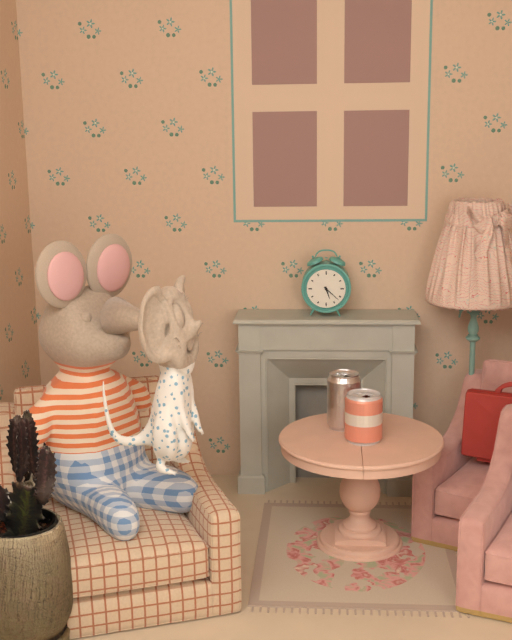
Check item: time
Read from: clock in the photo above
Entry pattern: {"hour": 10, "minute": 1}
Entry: {"hour": 5, "minute": 22}
